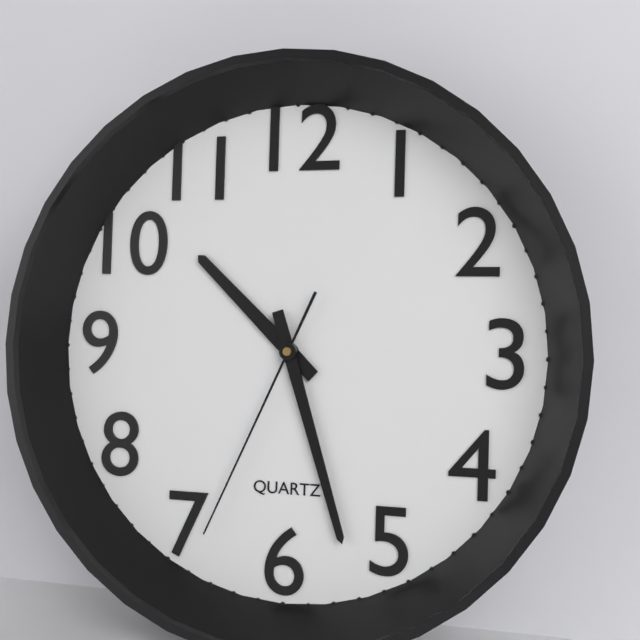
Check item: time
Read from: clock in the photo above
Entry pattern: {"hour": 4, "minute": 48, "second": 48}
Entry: {"hour": 10, "minute": 27, "second": 34}
